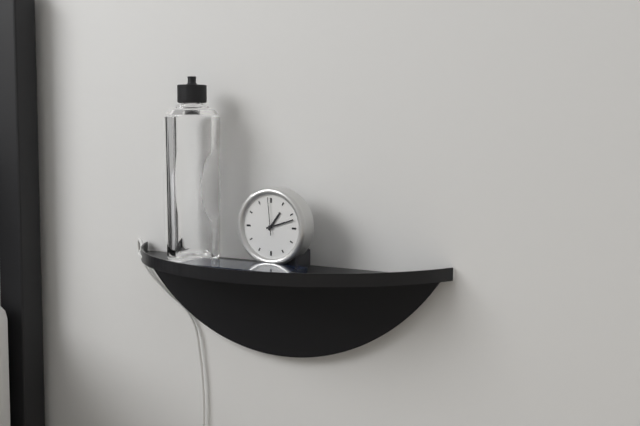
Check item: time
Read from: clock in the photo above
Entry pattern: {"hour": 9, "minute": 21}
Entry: {"hour": 1, "minute": 12}
